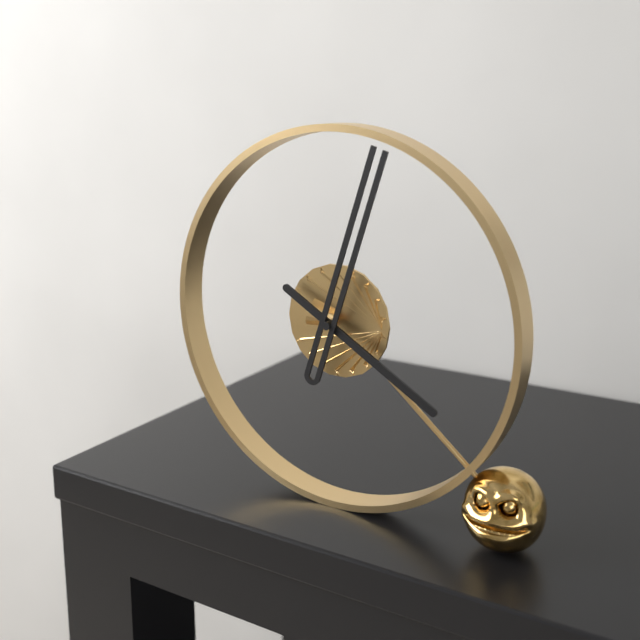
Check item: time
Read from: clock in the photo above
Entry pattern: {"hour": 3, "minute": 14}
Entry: {"hour": 4, "minute": 3}
